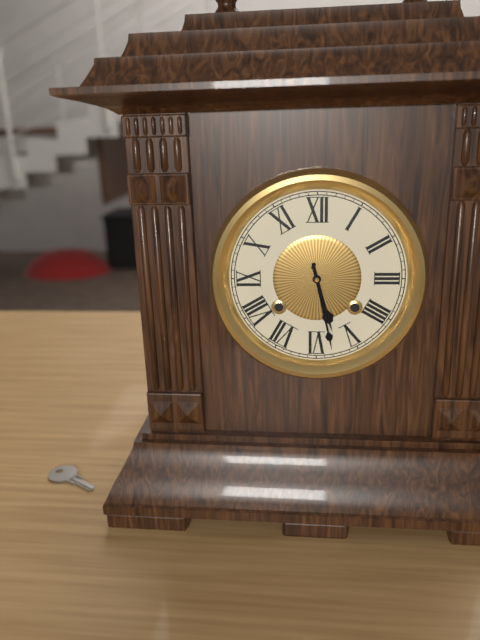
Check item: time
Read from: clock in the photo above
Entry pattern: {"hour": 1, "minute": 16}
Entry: {"hour": 5, "minute": 28}
